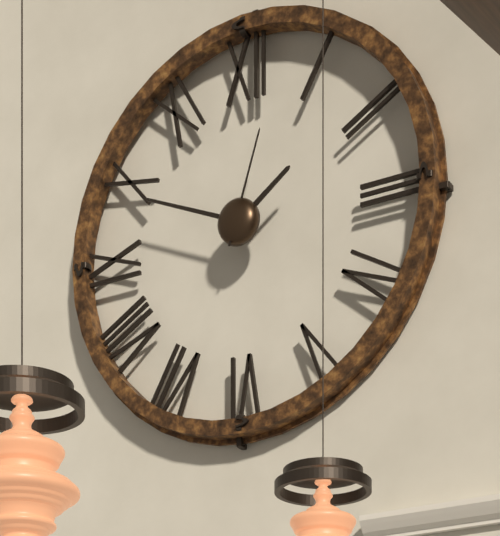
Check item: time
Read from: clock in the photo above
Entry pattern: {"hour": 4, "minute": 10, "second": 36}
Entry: {"hour": 1, "minute": 49, "second": 3}
